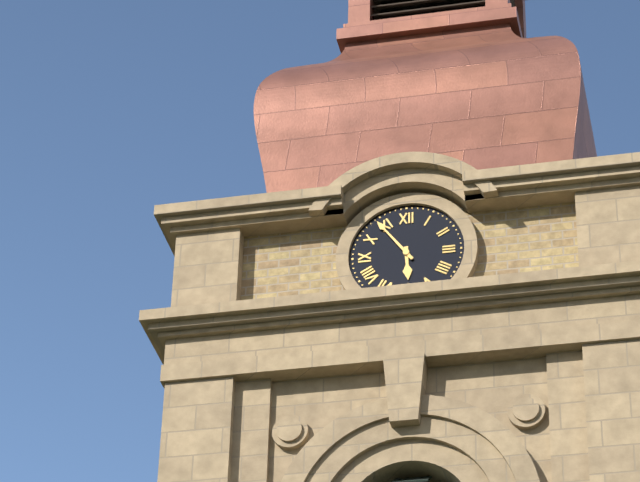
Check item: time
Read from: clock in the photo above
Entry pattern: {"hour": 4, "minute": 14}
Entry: {"hour": 5, "minute": 54}
